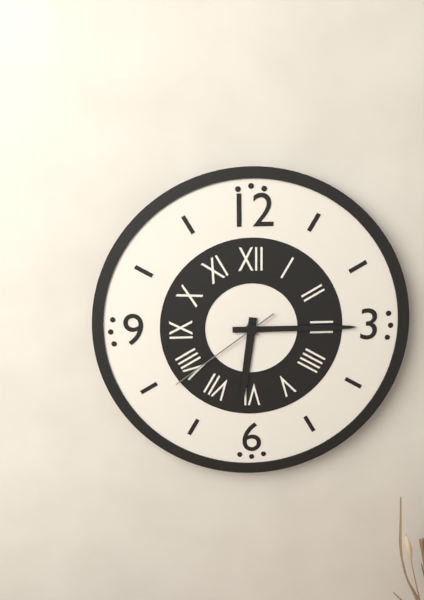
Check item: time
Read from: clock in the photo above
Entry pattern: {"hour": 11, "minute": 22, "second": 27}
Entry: {"hour": 6, "minute": 15, "second": 39}
